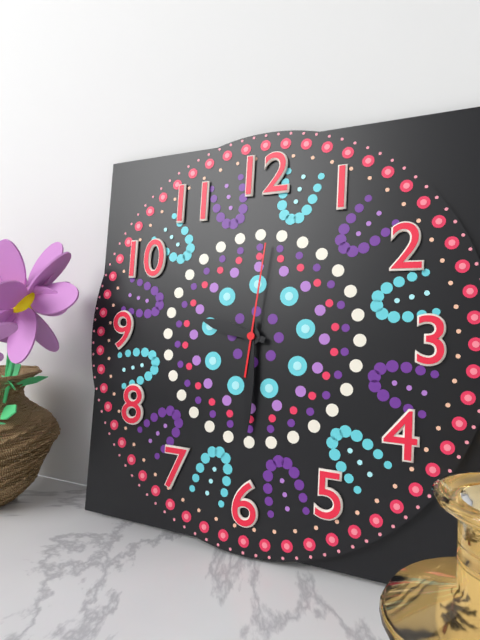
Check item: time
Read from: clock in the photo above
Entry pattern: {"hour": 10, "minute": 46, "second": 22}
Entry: {"hour": 9, "minute": 30, "second": 1}
